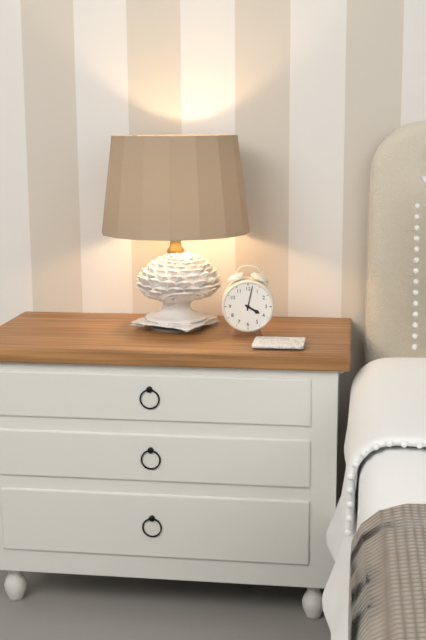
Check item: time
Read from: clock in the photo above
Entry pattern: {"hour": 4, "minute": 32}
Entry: {"hour": 4, "minute": 2}
